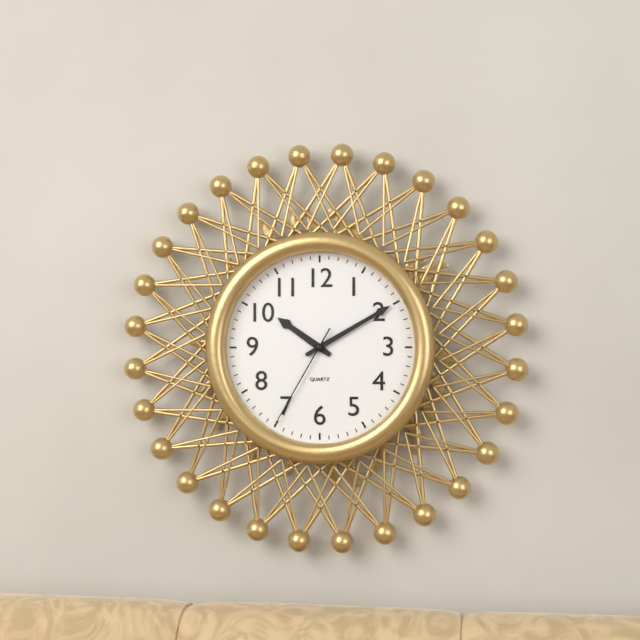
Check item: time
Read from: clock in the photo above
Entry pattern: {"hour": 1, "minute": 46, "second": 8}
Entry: {"hour": 10, "minute": 10, "second": 35}
